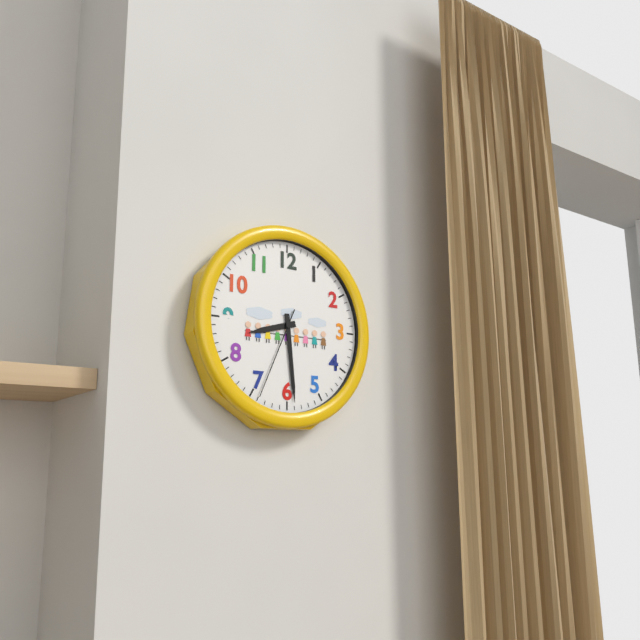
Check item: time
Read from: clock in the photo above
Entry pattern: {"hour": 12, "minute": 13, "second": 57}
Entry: {"hour": 8, "minute": 29, "second": 34}
